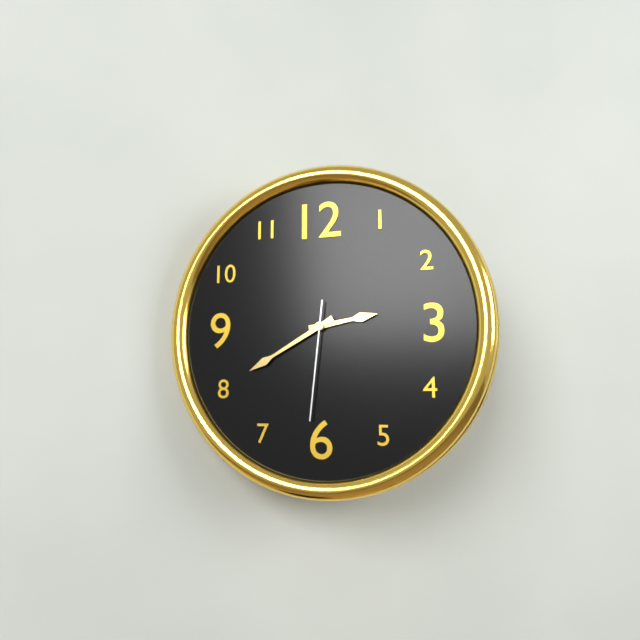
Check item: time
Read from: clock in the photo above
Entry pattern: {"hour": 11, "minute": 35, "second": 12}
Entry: {"hour": 2, "minute": 40, "second": 31}
